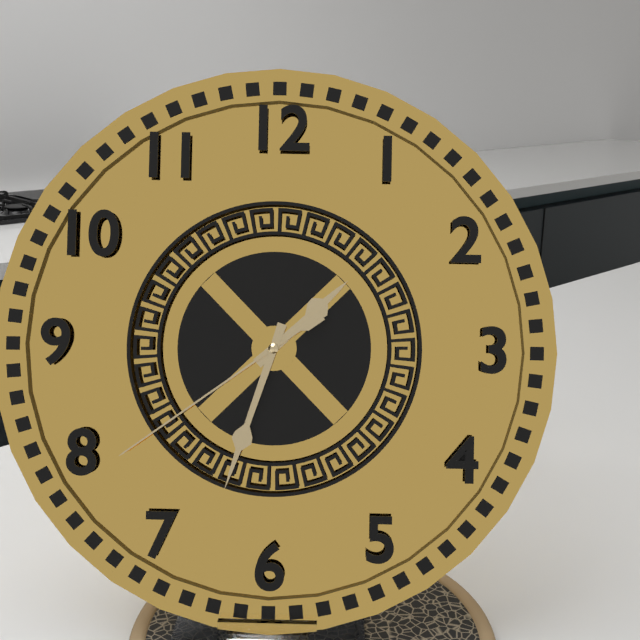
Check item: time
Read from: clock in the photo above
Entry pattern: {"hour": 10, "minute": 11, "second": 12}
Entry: {"hour": 1, "minute": 33, "second": 39}
